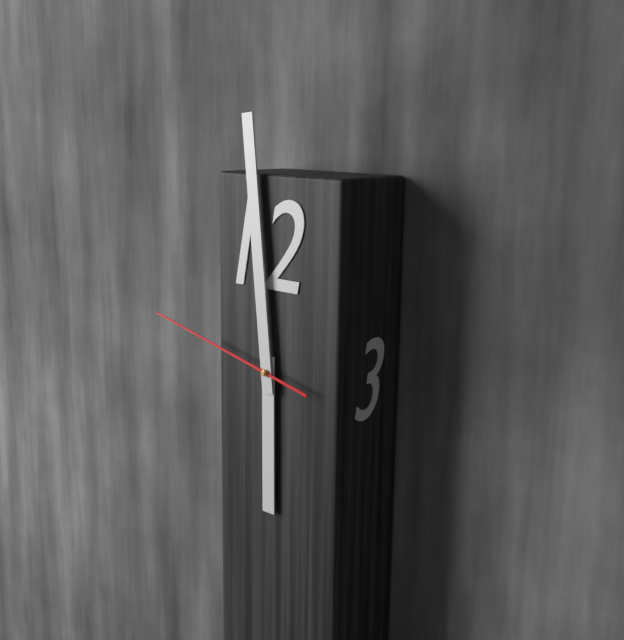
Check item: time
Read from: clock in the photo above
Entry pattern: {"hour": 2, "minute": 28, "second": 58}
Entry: {"hour": 5, "minute": 59, "second": 47}
